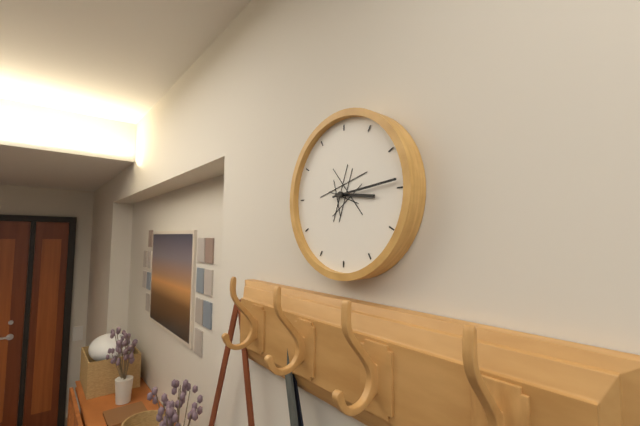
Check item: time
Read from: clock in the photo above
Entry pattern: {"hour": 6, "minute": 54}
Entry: {"hour": 3, "minute": 14}
